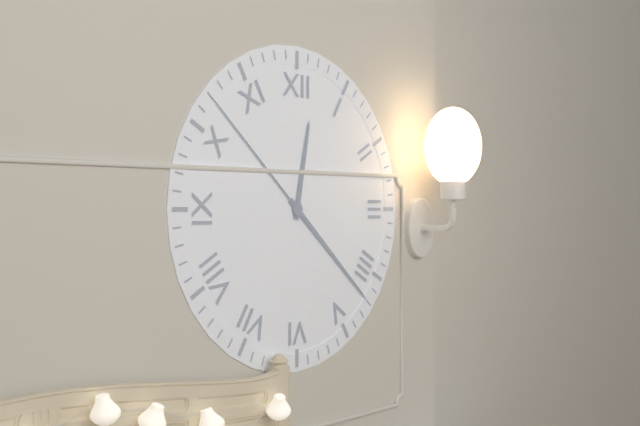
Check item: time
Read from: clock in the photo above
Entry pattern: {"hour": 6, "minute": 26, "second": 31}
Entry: {"hour": 12, "minute": 22, "second": 52}
